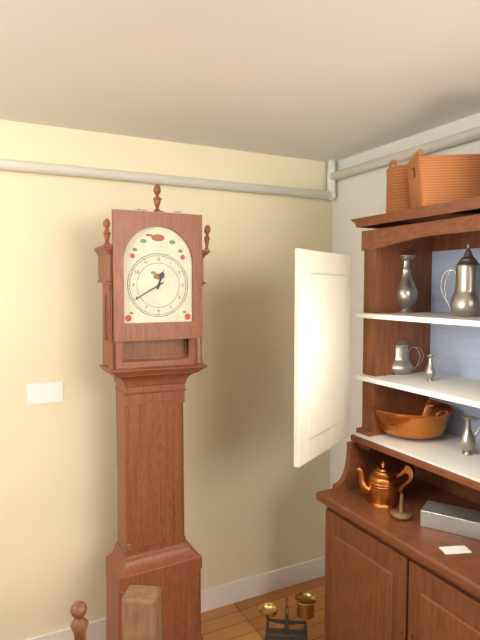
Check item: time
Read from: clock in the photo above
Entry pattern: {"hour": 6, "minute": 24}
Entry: {"hour": 12, "minute": 40}
